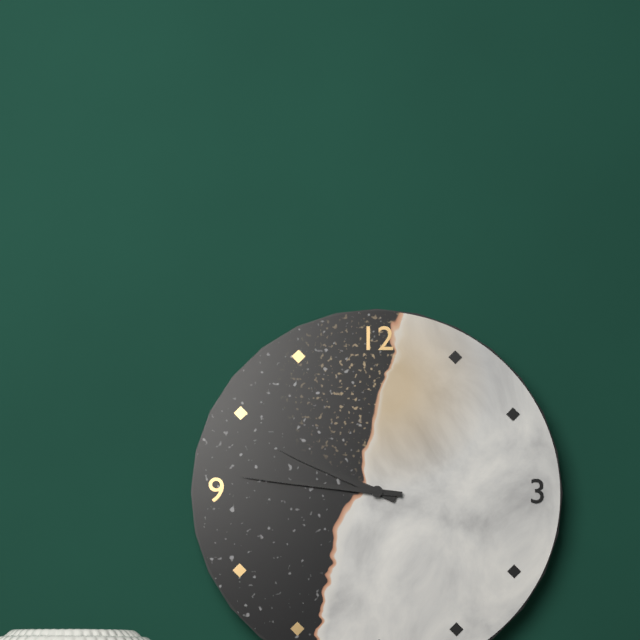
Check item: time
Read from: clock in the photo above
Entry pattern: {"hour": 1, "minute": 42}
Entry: {"hour": 9, "minute": 46}
